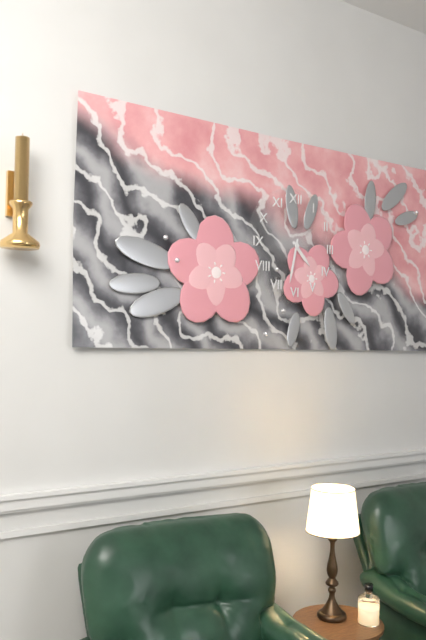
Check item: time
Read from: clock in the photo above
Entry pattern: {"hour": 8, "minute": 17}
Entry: {"hour": 4, "minute": 32}
